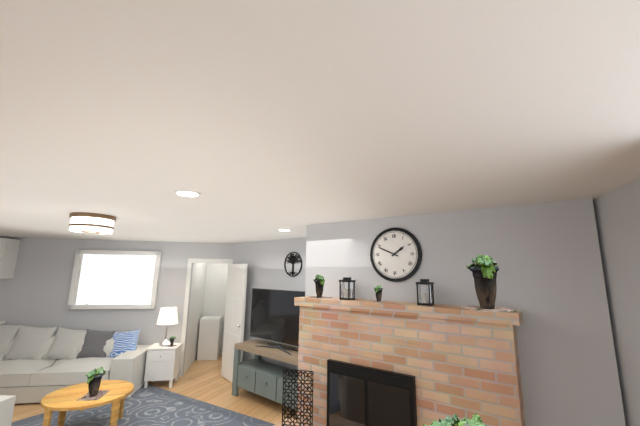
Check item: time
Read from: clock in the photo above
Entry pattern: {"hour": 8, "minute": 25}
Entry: {"hour": 1, "minute": 49}
